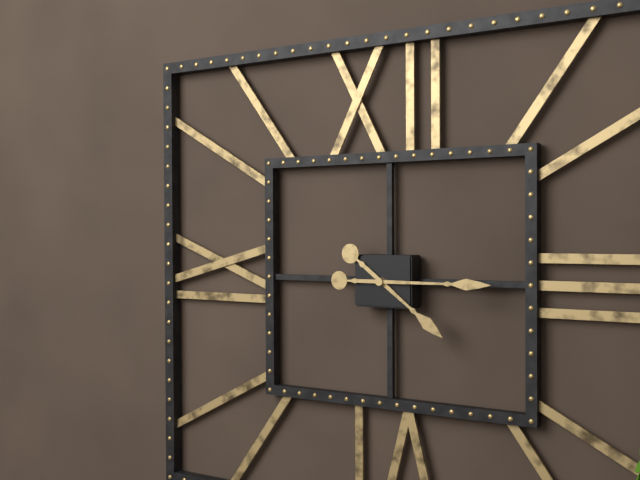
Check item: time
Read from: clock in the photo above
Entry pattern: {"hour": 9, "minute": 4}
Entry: {"hour": 4, "minute": 15}
